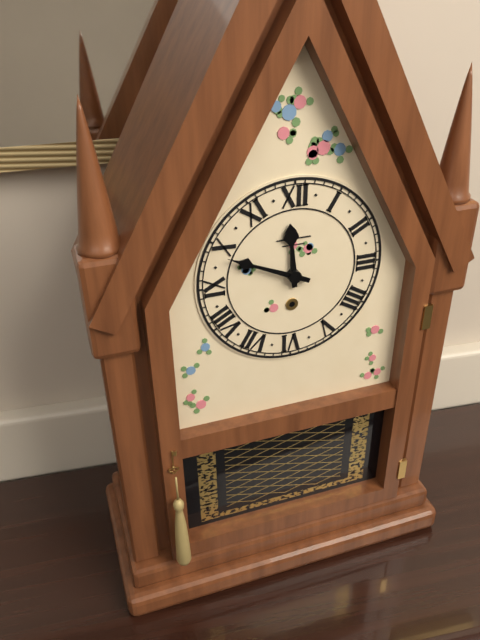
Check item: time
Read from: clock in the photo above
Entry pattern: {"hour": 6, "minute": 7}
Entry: {"hour": 11, "minute": 49}
